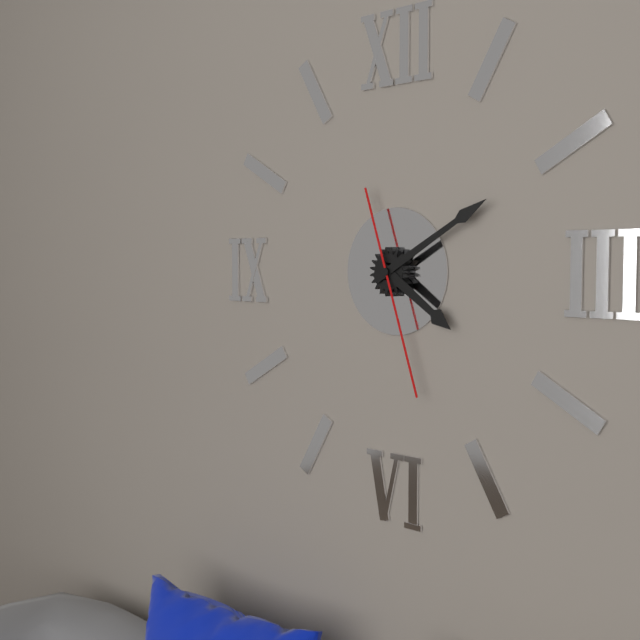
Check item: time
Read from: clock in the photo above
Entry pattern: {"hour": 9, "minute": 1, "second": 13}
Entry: {"hour": 4, "minute": 10, "second": 27}
